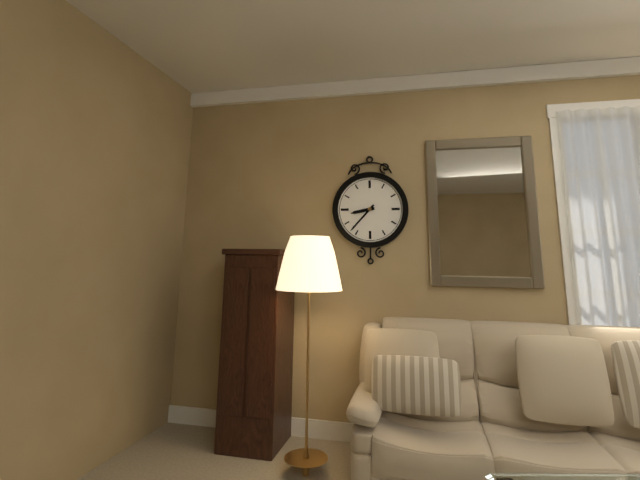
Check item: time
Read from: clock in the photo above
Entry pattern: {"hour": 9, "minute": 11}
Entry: {"hour": 8, "minute": 37}
